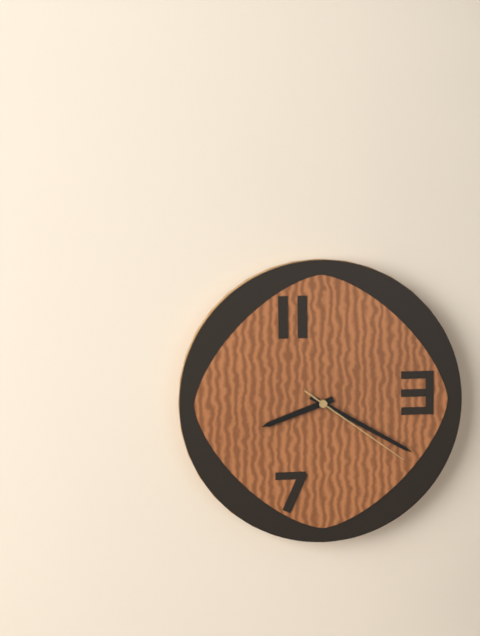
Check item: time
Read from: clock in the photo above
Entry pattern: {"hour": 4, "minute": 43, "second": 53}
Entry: {"hour": 8, "minute": 20, "second": 21}
